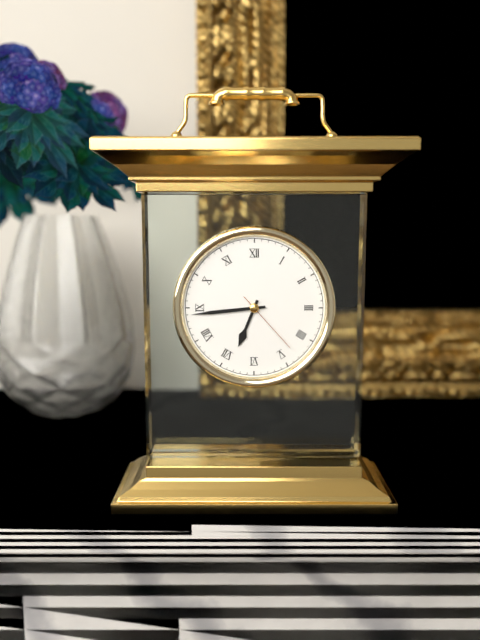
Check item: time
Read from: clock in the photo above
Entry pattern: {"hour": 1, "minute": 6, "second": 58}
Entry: {"hour": 6, "minute": 44, "second": 23}
